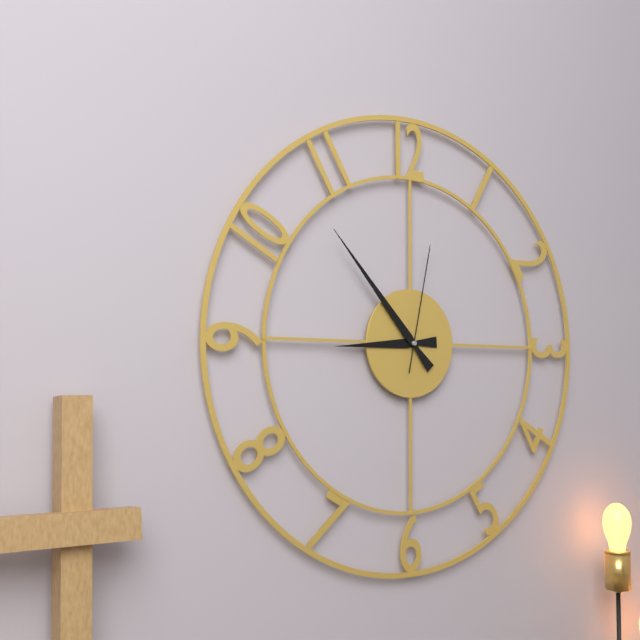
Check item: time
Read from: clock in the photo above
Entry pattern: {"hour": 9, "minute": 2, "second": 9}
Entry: {"hour": 8, "minute": 53, "second": 2}
